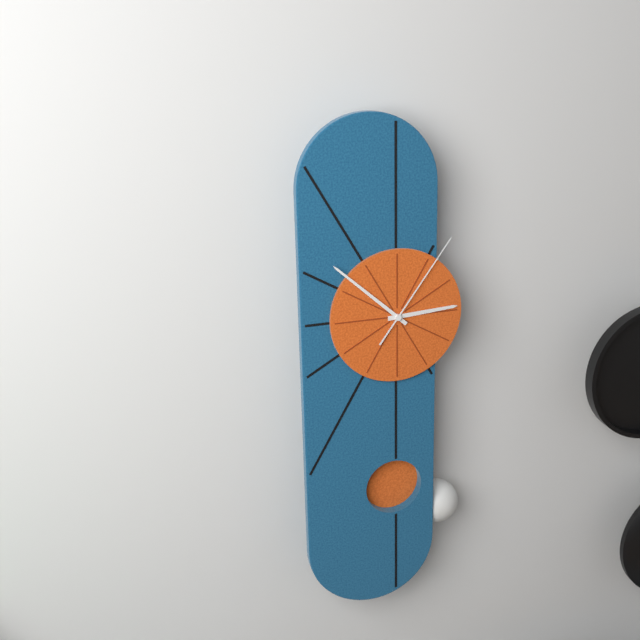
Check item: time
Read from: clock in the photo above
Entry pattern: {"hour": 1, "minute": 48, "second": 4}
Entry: {"hour": 2, "minute": 52, "second": 6}
